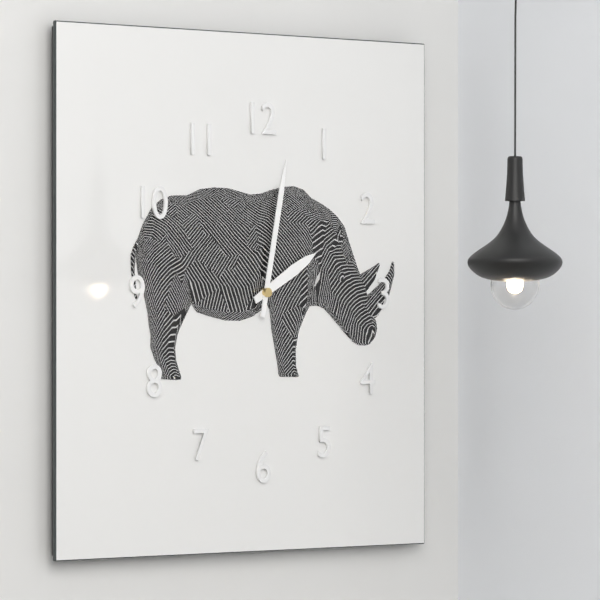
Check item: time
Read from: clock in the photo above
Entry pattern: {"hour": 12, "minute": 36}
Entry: {"hour": 2, "minute": 2}
